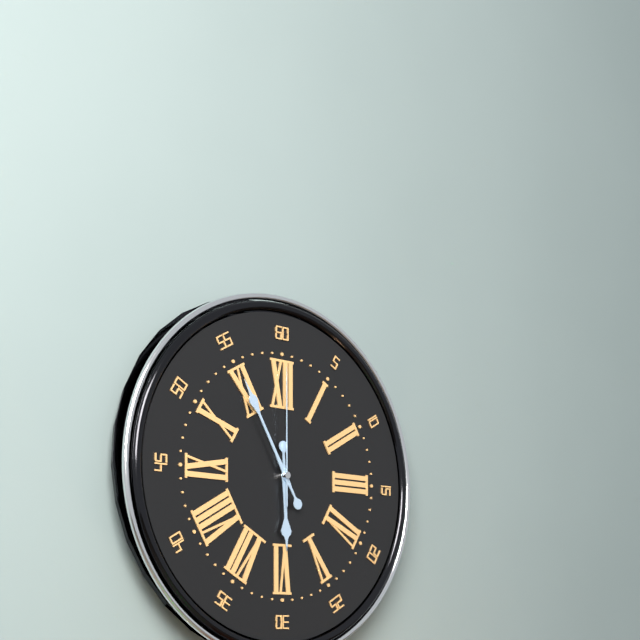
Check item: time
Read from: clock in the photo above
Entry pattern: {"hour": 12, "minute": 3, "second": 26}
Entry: {"hour": 5, "minute": 55, "second": 0}
